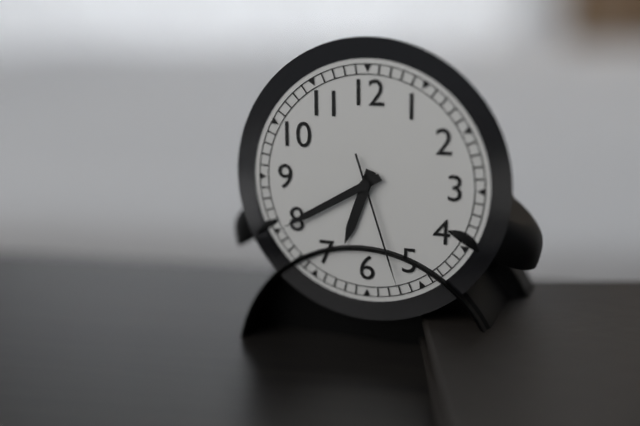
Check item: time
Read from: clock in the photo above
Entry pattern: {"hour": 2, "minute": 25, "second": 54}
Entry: {"hour": 6, "minute": 40, "second": 27}
